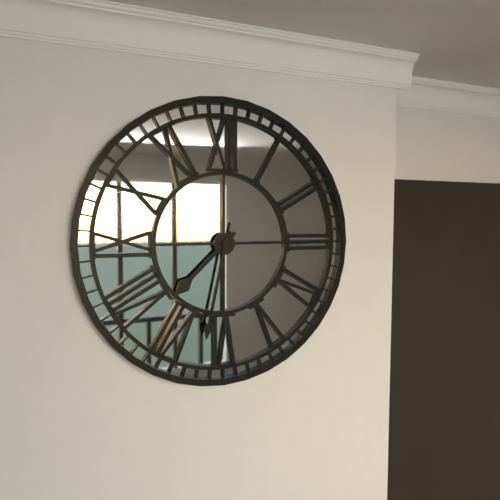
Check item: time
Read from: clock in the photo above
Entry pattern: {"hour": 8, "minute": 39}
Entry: {"hour": 7, "minute": 32}
